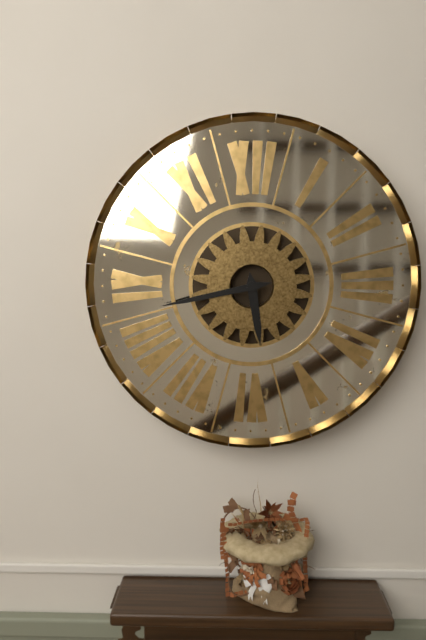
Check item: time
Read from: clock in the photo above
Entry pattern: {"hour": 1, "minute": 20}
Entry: {"hour": 5, "minute": 43}
